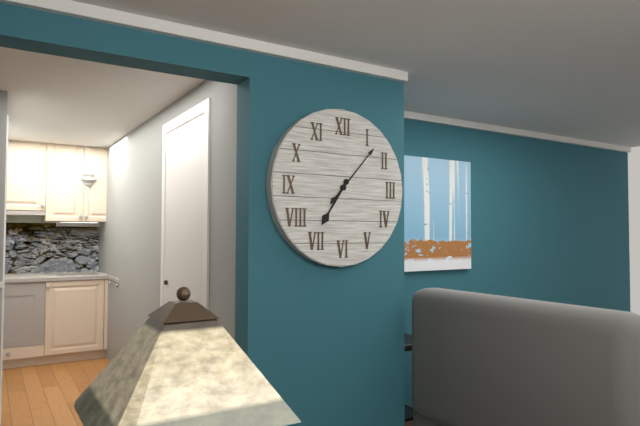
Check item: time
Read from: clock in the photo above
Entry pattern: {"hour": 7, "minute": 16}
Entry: {"hour": 7, "minute": 7}
